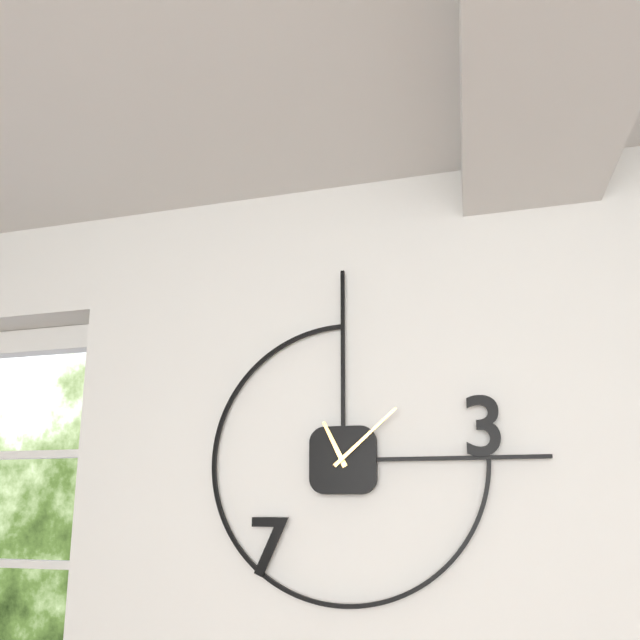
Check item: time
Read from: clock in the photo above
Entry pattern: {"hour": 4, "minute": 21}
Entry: {"hour": 11, "minute": 8}
